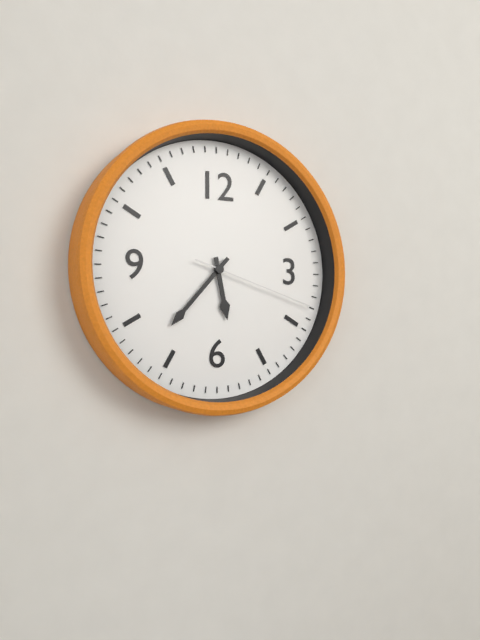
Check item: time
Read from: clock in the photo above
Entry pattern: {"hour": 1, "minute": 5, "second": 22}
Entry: {"hour": 5, "minute": 37, "second": 18}
